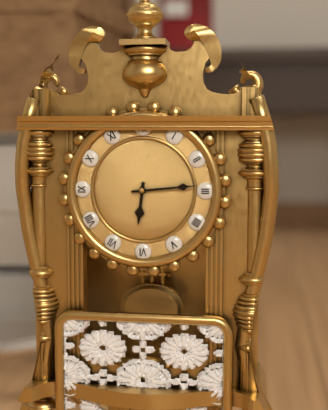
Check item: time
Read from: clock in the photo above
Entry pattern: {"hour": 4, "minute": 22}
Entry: {"hour": 6, "minute": 14}
